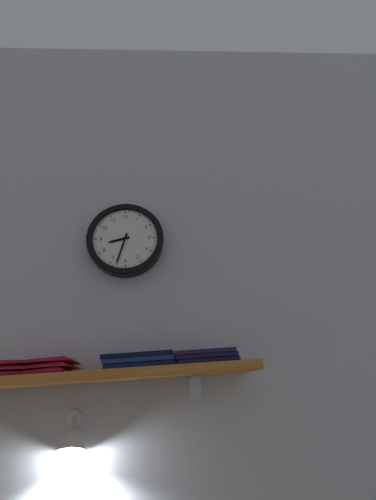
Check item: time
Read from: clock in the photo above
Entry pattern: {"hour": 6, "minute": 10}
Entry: {"hour": 8, "minute": 33}
